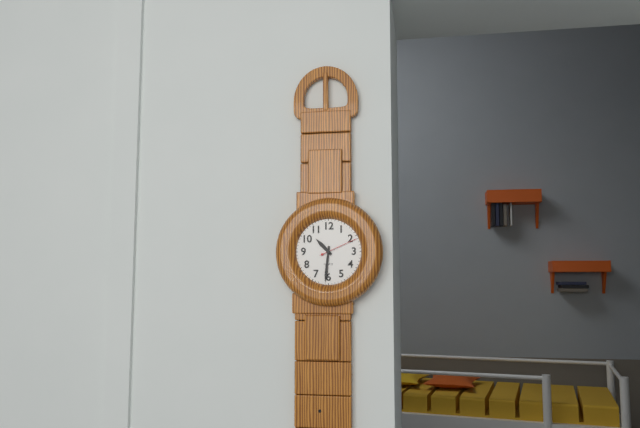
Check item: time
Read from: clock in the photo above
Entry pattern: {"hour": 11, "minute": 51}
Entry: {"hour": 10, "minute": 31}
